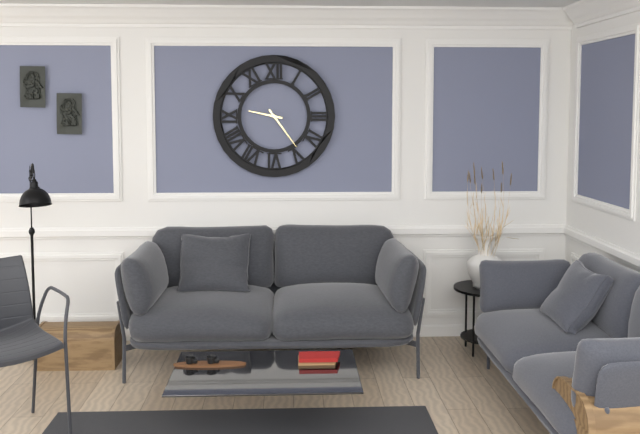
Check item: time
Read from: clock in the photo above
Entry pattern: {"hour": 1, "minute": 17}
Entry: {"hour": 9, "minute": 24}
